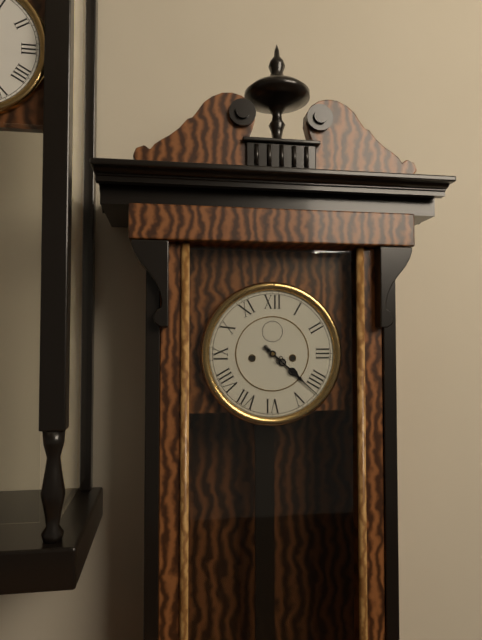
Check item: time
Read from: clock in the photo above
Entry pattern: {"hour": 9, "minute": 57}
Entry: {"hour": 4, "minute": 22}
